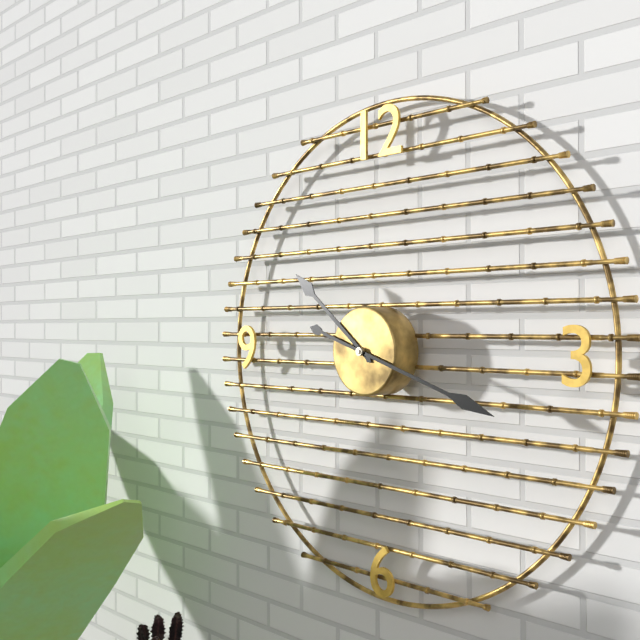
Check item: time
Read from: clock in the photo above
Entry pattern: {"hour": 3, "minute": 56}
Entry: {"hour": 10, "minute": 18}
